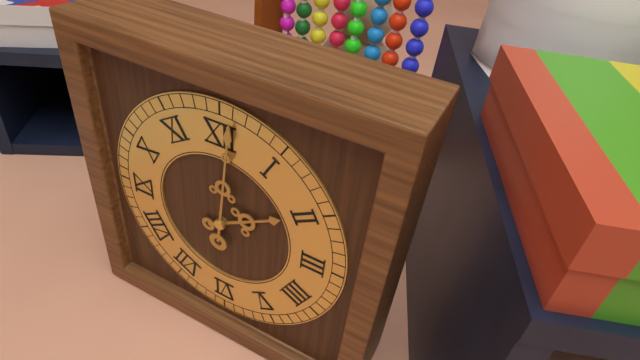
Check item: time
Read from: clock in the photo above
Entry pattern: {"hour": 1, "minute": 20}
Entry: {"hour": 2, "minute": 1}
